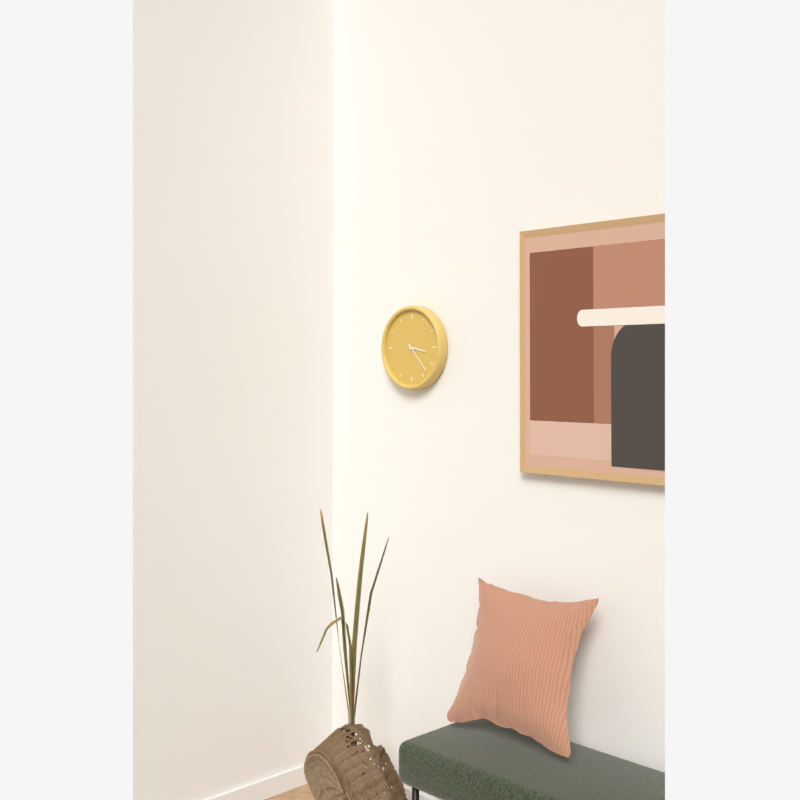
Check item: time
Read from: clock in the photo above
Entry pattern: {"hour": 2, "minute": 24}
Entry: {"hour": 3, "minute": 23}
